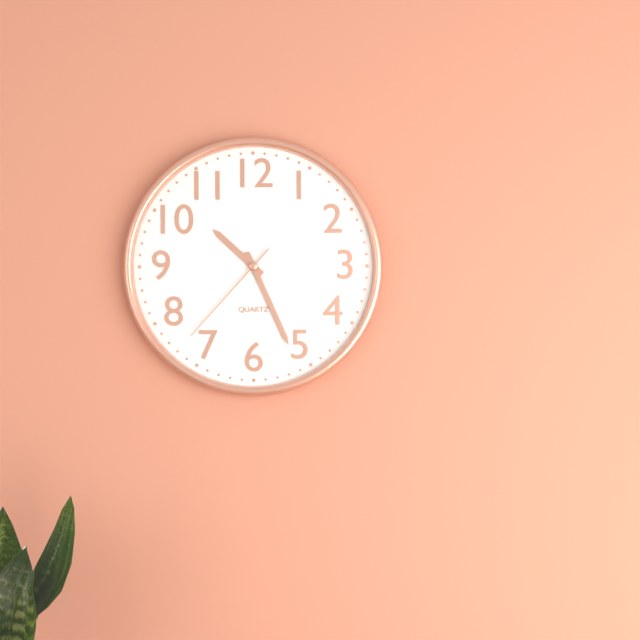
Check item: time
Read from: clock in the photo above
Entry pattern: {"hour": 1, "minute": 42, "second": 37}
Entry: {"hour": 10, "minute": 26, "second": 37}
